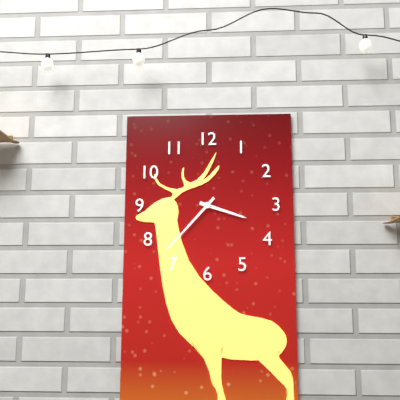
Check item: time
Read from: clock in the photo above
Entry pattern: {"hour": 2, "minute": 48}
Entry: {"hour": 3, "minute": 37}
